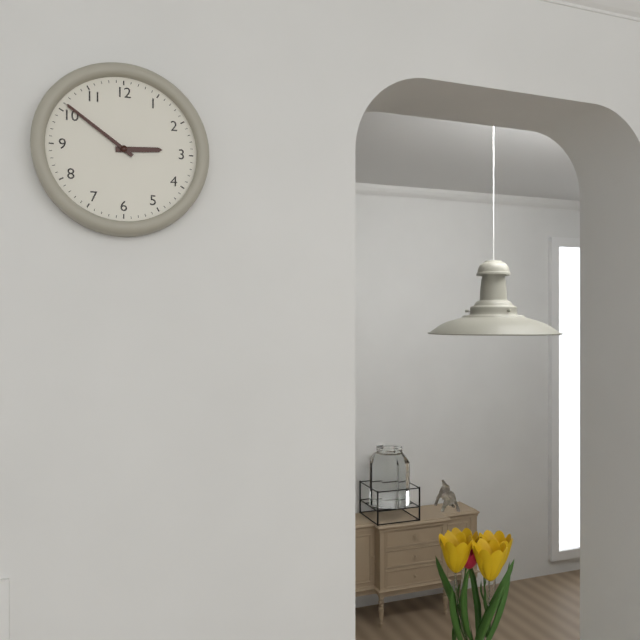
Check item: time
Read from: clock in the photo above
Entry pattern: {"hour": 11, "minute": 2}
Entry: {"hour": 2, "minute": 51}
